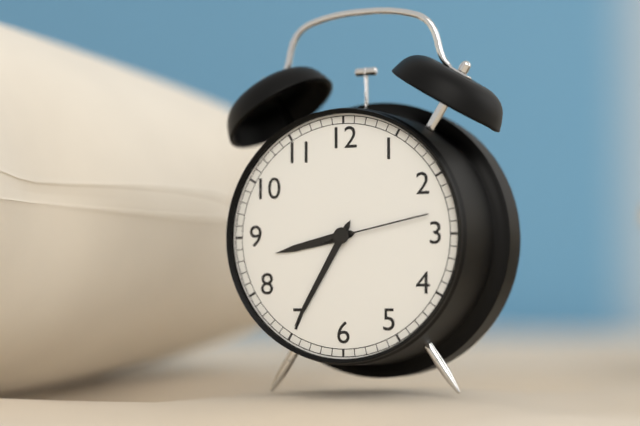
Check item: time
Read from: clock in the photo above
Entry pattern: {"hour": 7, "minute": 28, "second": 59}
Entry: {"hour": 8, "minute": 35, "second": 13}
